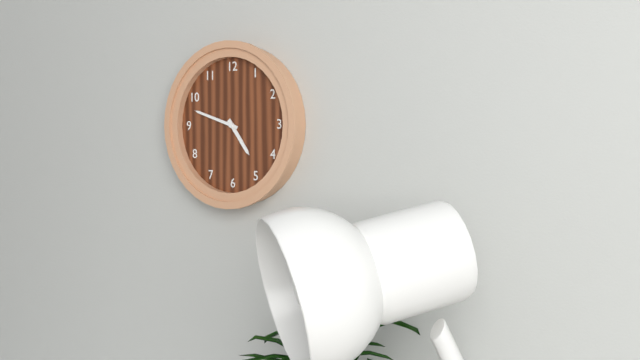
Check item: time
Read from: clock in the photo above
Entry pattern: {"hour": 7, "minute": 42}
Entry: {"hour": 4, "minute": 48}
